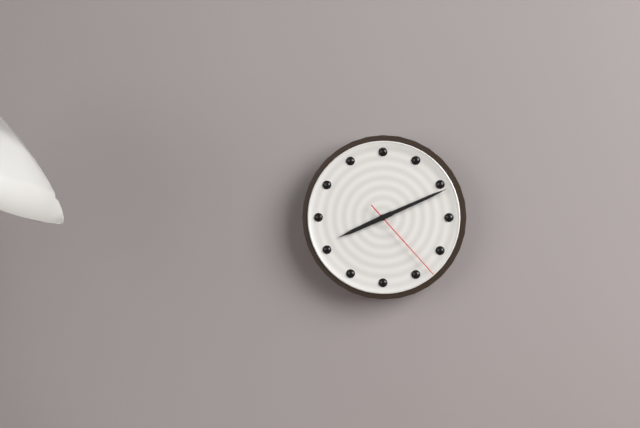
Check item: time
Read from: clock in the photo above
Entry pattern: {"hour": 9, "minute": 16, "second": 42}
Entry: {"hour": 8, "minute": 11, "second": 23}
